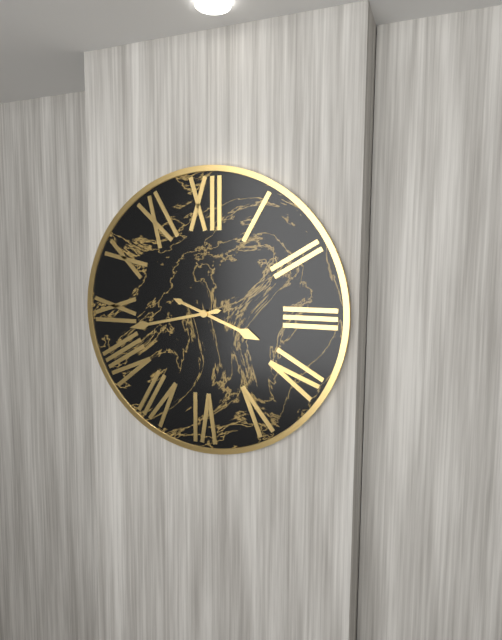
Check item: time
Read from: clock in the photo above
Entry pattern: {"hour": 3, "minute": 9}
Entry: {"hour": 3, "minute": 43}
